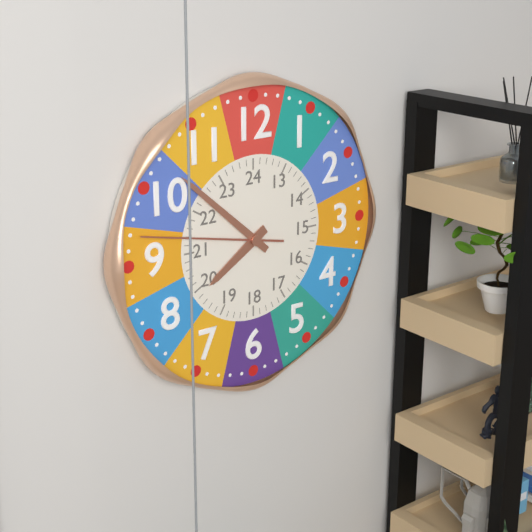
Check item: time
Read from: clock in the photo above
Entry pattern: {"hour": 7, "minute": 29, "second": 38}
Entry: {"hour": 7, "minute": 52, "second": 47}
